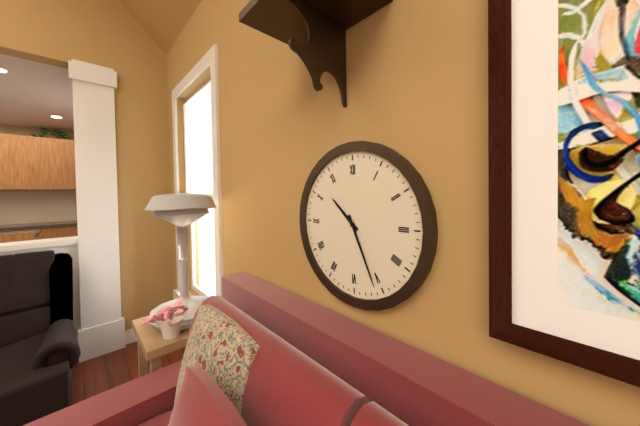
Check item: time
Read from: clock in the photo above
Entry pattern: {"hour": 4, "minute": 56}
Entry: {"hour": 10, "minute": 26}
